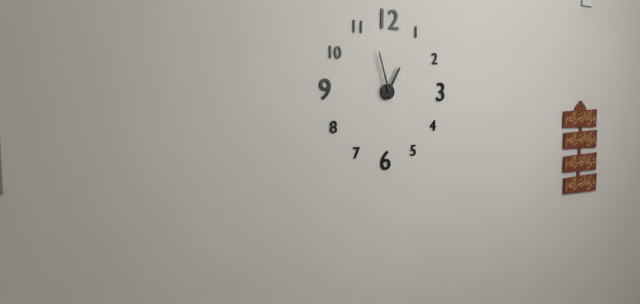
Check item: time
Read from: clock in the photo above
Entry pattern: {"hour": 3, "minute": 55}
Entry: {"hour": 12, "minute": 57}
